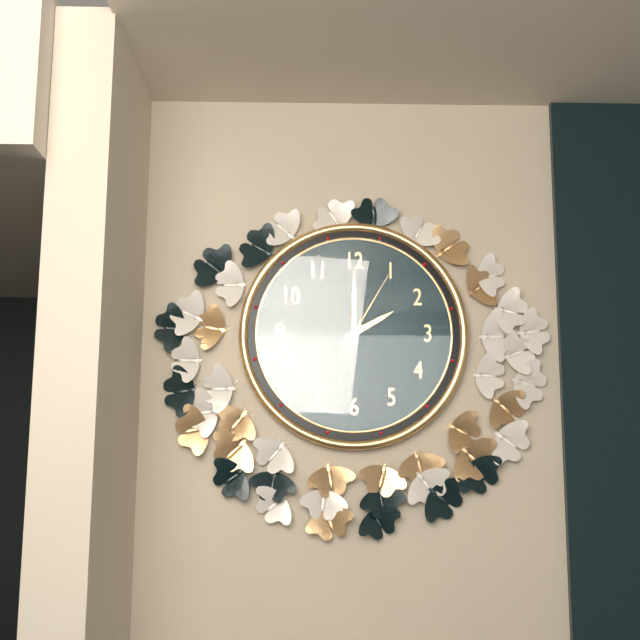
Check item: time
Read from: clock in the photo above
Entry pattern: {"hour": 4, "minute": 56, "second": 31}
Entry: {"hour": 2, "minute": 0, "second": 5}
